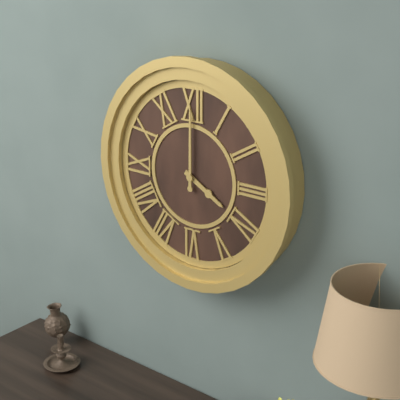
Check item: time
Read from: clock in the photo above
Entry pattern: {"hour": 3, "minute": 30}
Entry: {"hour": 4, "minute": 0}
